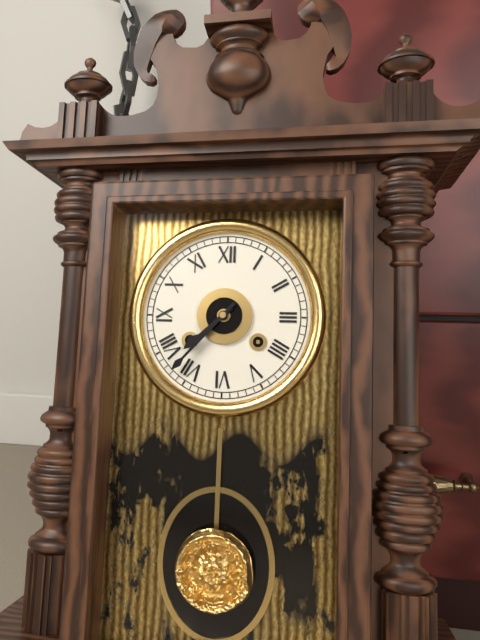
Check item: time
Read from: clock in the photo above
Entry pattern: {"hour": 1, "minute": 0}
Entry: {"hour": 7, "minute": 37}
